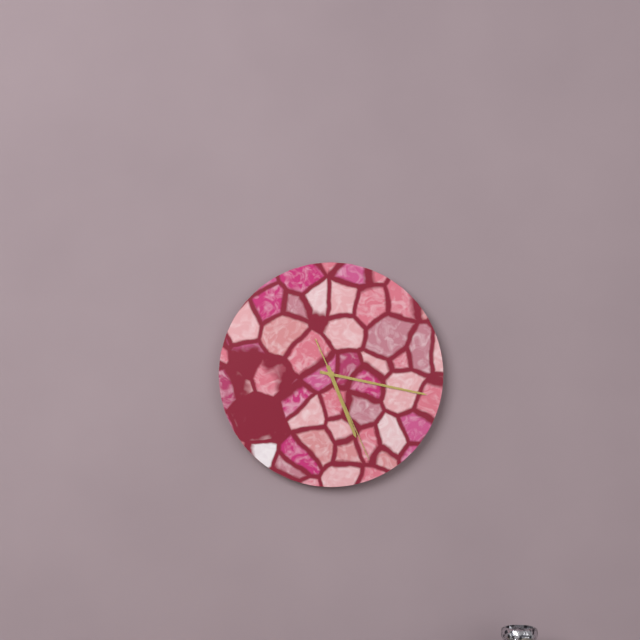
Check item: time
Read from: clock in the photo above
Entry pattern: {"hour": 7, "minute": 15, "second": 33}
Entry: {"hour": 5, "minute": 17, "second": 26}
